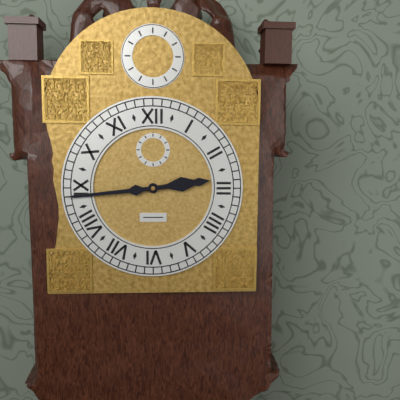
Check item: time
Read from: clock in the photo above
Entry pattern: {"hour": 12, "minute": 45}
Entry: {"hour": 2, "minute": 44}
